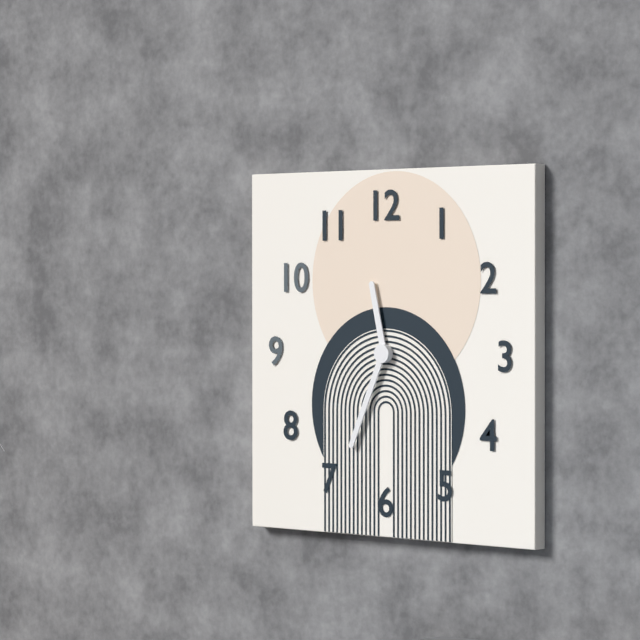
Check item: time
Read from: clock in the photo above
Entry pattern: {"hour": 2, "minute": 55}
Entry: {"hour": 11, "minute": 34}
